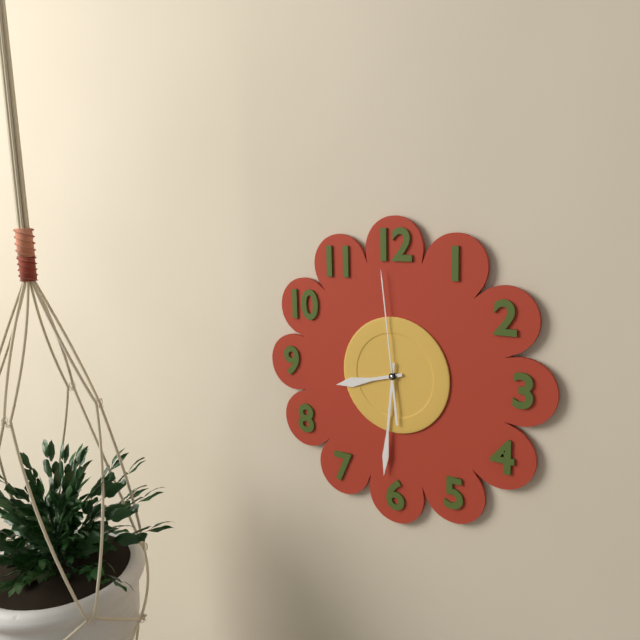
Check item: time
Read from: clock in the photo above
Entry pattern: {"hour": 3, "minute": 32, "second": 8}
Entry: {"hour": 8, "minute": 31, "second": 59}
